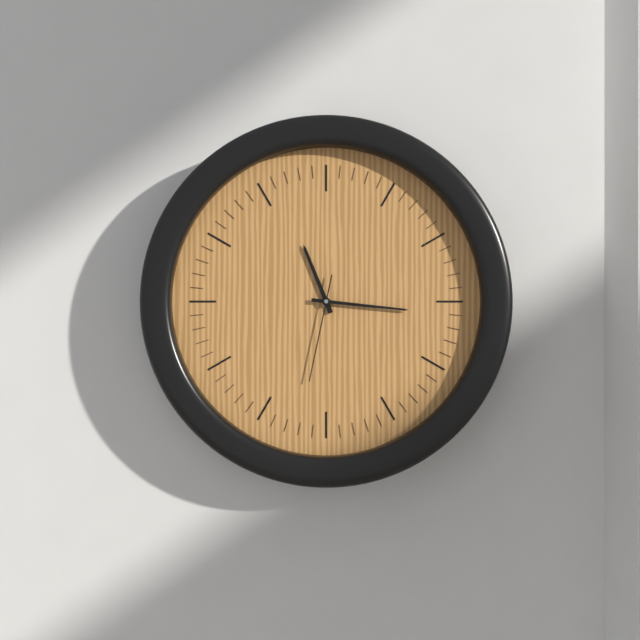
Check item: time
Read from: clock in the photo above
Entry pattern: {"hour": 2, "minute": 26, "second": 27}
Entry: {"hour": 11, "minute": 16, "second": 32}
